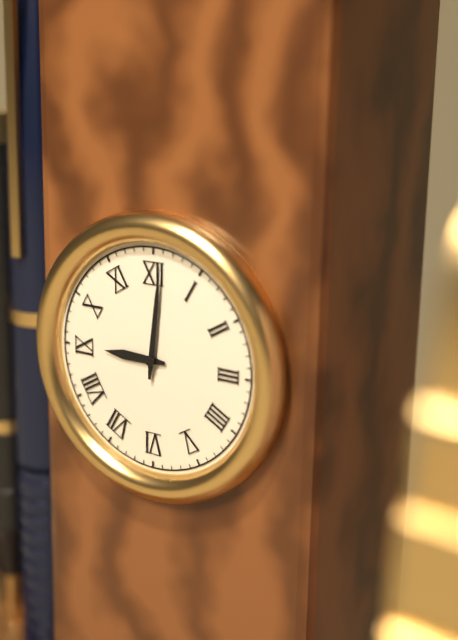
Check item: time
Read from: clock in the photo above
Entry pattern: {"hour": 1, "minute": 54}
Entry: {"hour": 9, "minute": 1}
